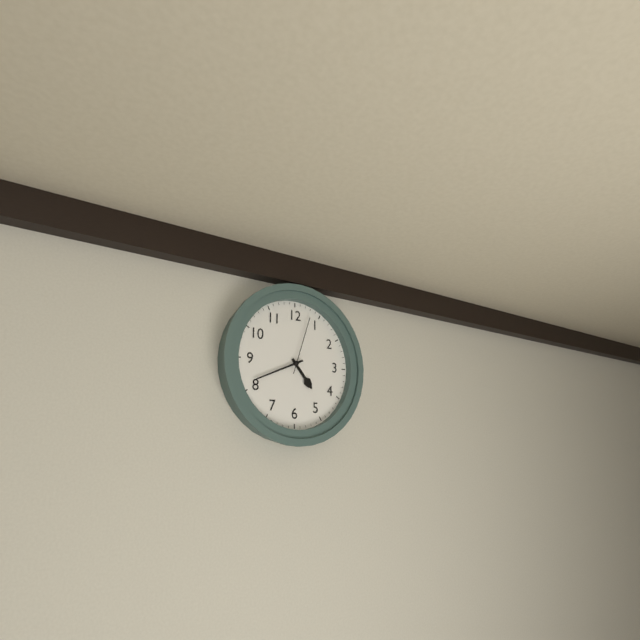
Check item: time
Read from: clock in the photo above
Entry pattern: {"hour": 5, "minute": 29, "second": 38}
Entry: {"hour": 4, "minute": 41, "second": 3}
